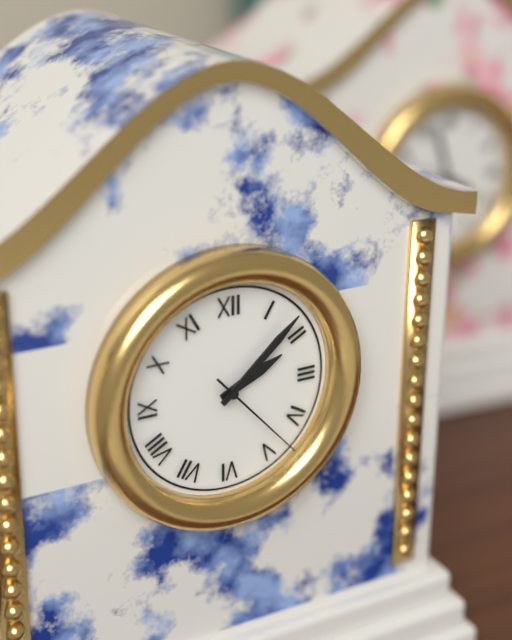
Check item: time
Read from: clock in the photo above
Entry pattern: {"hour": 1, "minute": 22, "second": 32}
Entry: {"hour": 2, "minute": 8, "second": 23}
